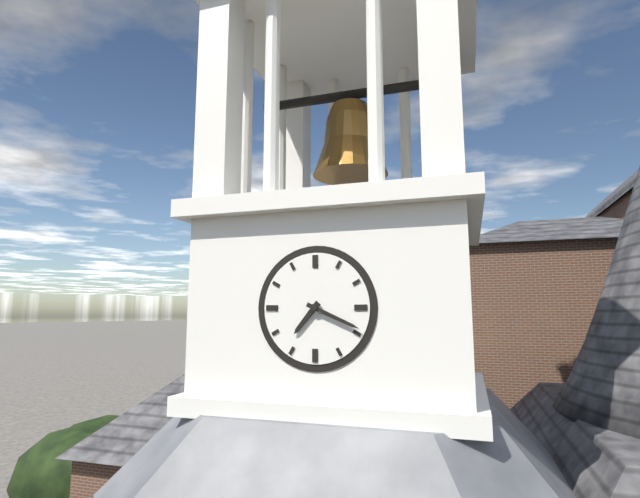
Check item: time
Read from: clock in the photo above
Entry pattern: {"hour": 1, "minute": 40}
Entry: {"hour": 7, "minute": 19}
